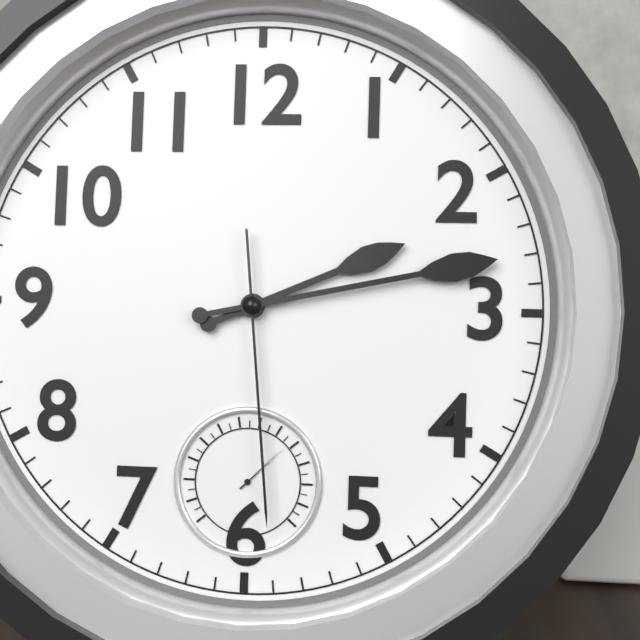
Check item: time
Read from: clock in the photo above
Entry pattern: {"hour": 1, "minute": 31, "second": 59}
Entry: {"hour": 2, "minute": 13, "second": 29}
